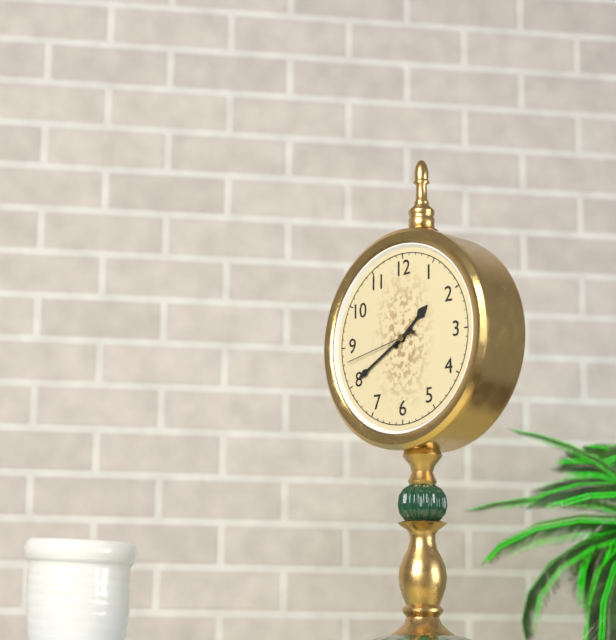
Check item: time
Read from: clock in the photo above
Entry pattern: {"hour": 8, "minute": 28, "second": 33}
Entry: {"hour": 1, "minute": 40, "second": 43}
